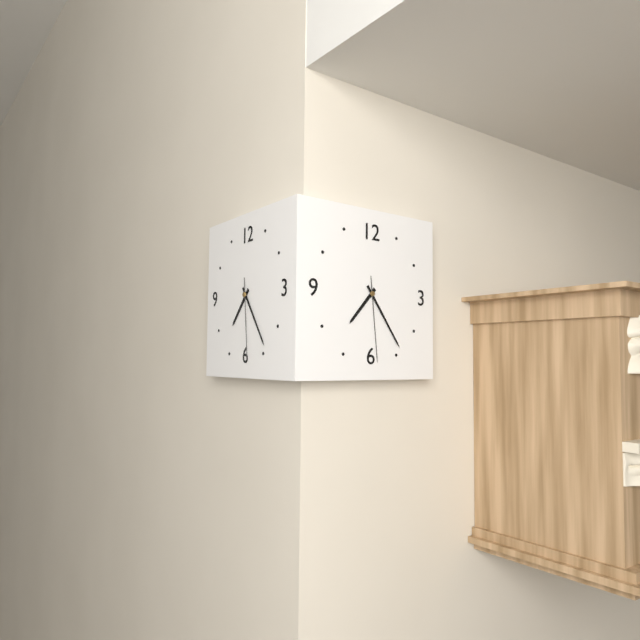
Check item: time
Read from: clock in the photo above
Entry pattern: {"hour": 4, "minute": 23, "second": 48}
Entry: {"hour": 7, "minute": 24, "second": 29}
